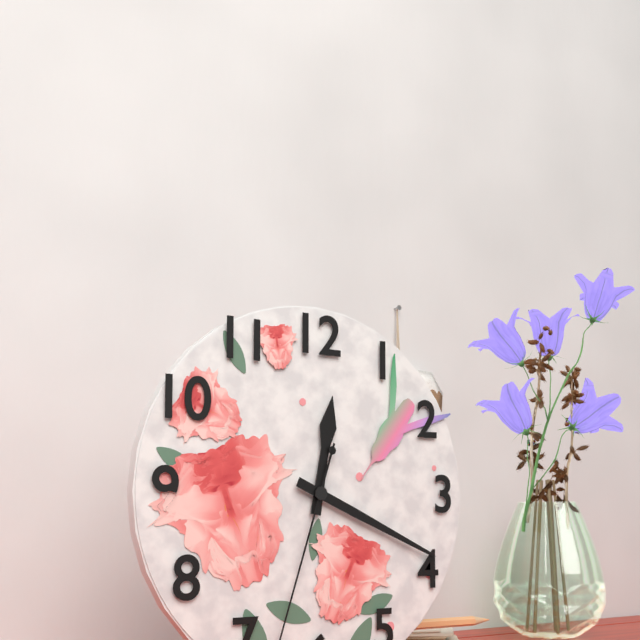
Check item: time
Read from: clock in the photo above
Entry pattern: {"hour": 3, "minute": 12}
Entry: {"hour": 12, "minute": 19}
